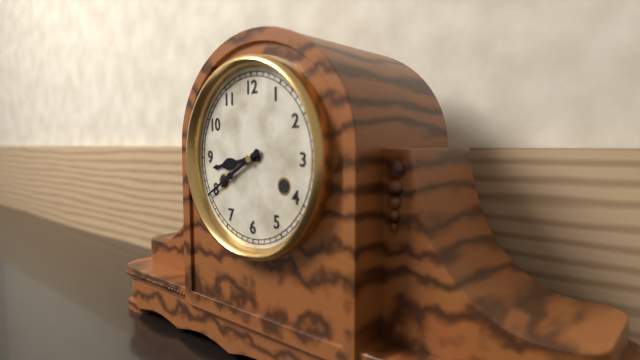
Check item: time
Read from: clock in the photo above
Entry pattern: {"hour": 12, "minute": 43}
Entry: {"hour": 8, "minute": 40}
